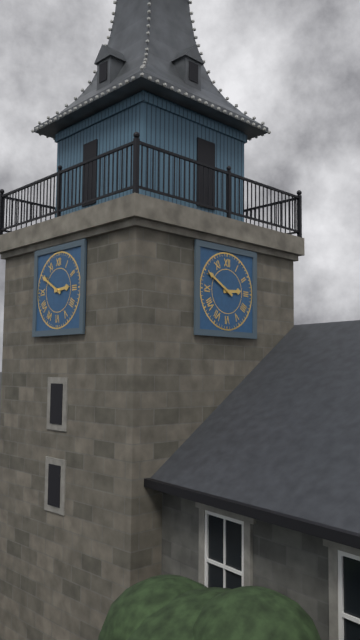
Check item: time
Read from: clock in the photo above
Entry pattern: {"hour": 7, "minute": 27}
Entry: {"hour": 2, "minute": 50}
